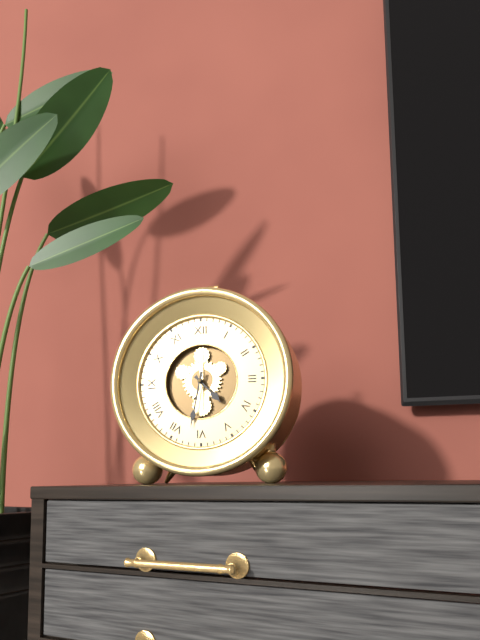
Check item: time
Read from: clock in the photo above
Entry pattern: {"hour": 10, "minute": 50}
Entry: {"hour": 4, "minute": 32}
